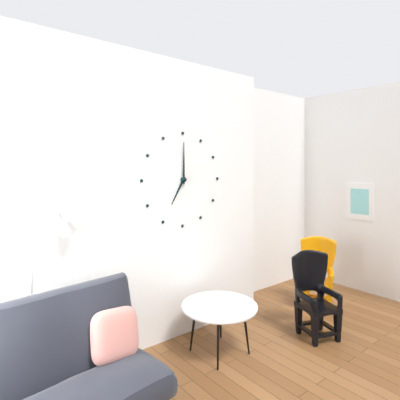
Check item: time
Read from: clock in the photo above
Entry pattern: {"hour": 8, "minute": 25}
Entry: {"hour": 7, "minute": 0}
